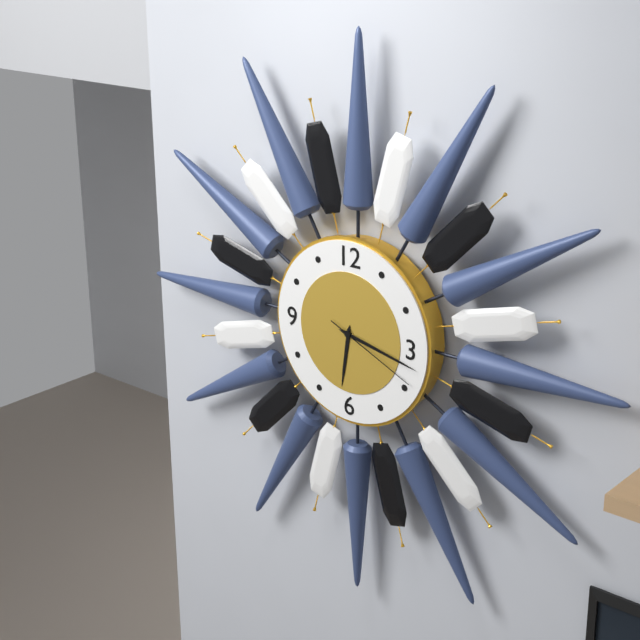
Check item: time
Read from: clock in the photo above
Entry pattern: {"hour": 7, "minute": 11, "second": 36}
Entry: {"hour": 6, "minute": 17, "second": 19}
